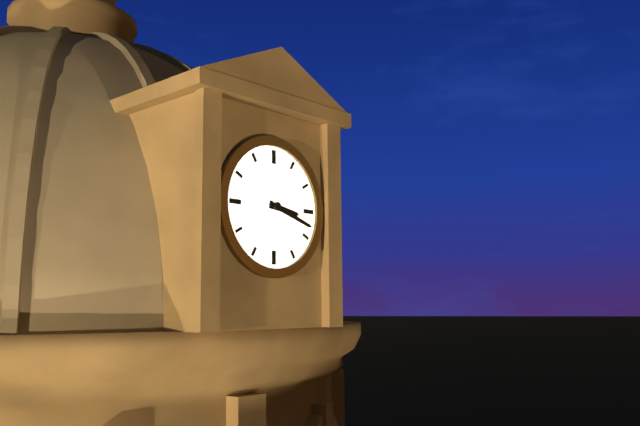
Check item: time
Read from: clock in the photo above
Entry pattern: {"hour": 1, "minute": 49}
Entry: {"hour": 3, "minute": 18}
